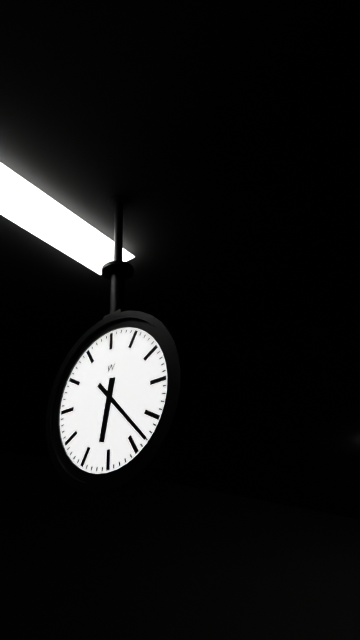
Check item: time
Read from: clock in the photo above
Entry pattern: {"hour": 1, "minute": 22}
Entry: {"hour": 6, "minute": 23}
